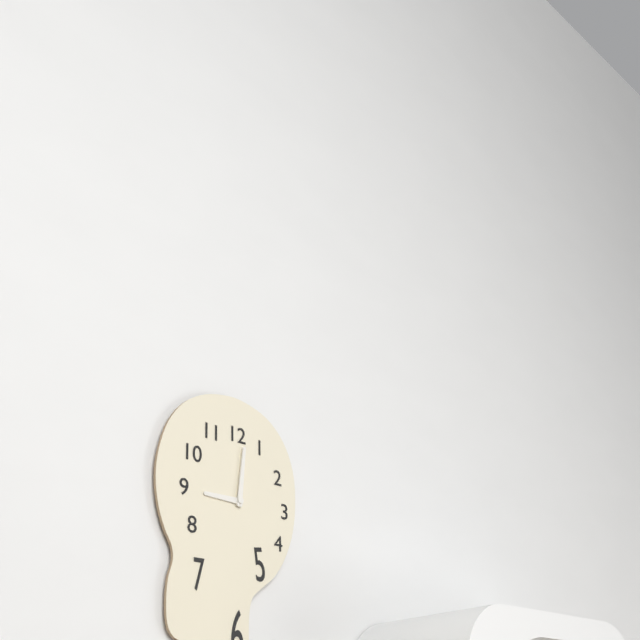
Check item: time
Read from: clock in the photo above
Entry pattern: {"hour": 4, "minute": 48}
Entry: {"hour": 9, "minute": 1}
